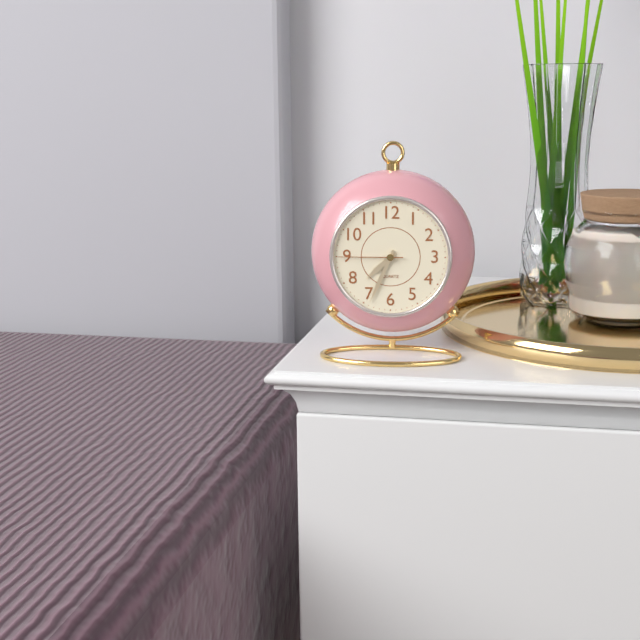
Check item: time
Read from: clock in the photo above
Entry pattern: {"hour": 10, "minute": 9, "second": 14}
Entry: {"hour": 7, "minute": 34, "second": 45}
